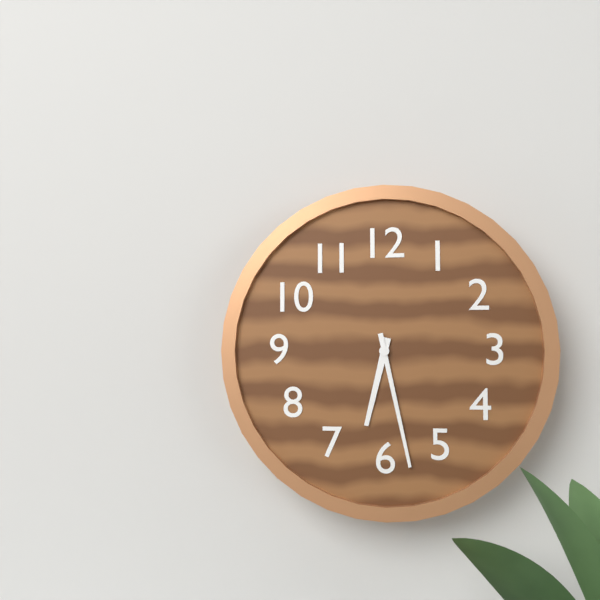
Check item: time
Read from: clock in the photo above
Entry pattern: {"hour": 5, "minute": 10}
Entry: {"hour": 6, "minute": 28}
